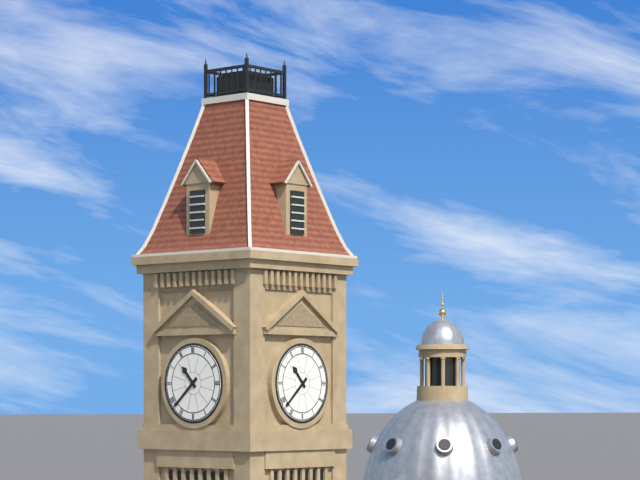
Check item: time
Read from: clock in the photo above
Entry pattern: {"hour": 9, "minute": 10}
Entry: {"hour": 10, "minute": 38}
